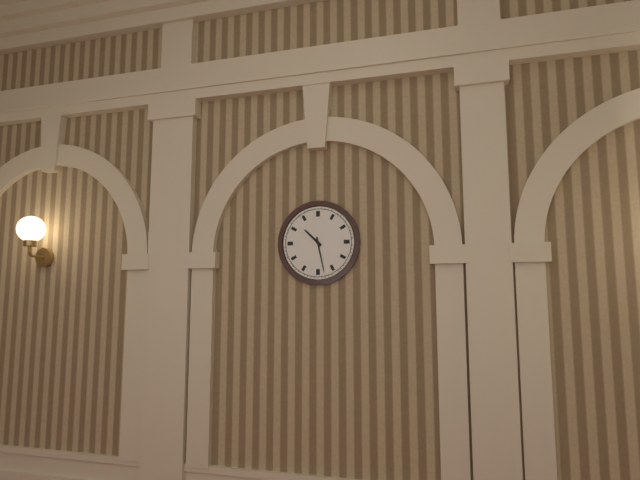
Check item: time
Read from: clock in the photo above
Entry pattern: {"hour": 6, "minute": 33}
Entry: {"hour": 10, "minute": 28}
